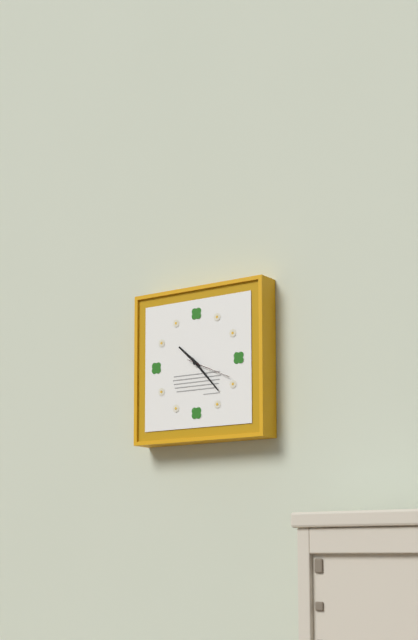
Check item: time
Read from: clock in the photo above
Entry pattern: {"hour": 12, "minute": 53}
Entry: {"hour": 10, "minute": 23}
